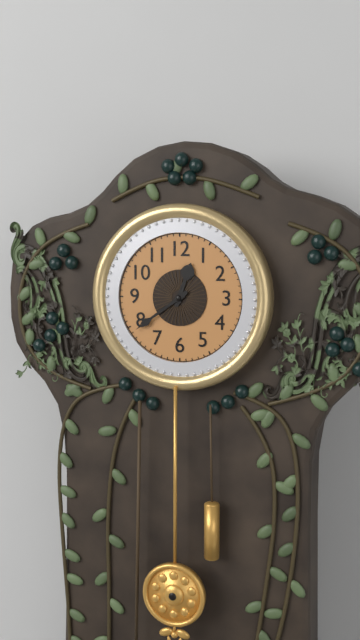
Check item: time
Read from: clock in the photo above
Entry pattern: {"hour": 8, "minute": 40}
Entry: {"hour": 12, "minute": 39}
